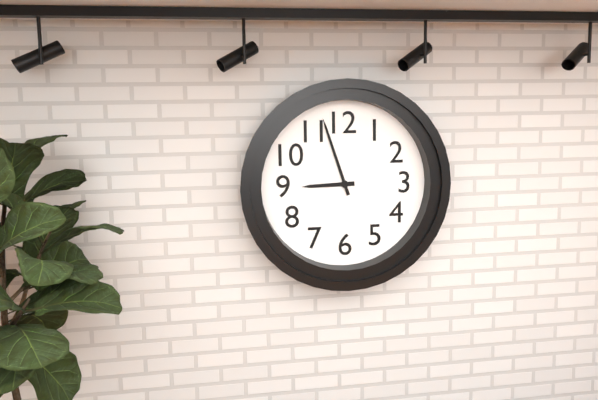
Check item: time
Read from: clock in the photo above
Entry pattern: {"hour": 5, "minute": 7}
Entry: {"hour": 8, "minute": 57}
